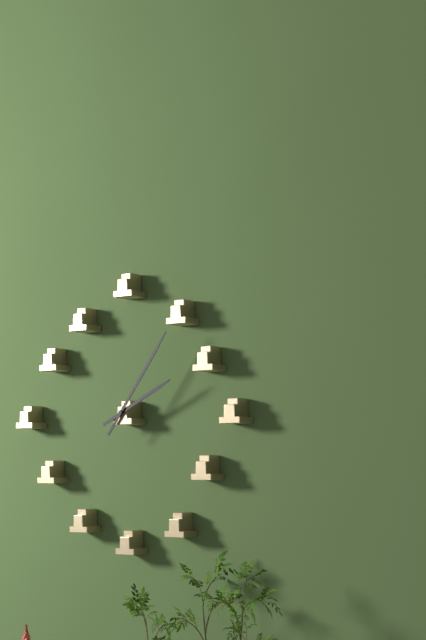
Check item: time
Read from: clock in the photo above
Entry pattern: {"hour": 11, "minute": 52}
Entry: {"hour": 2, "minute": 6}
